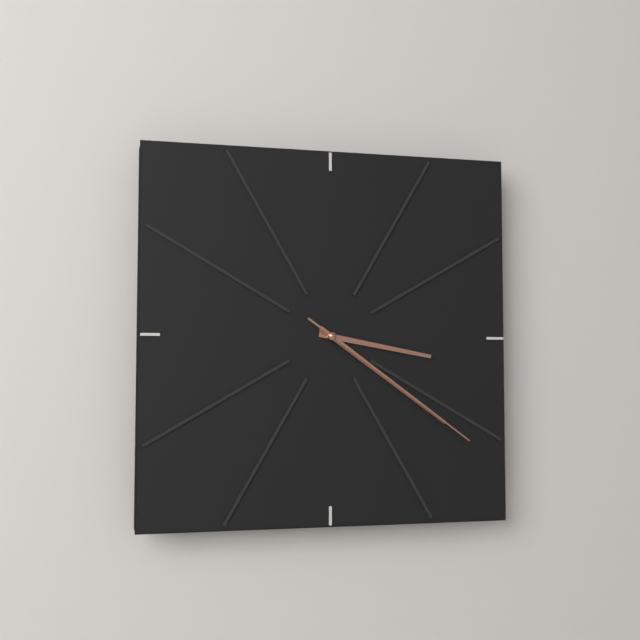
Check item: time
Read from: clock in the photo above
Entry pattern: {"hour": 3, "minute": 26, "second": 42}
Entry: {"hour": 3, "minute": 21, "second": 21}
